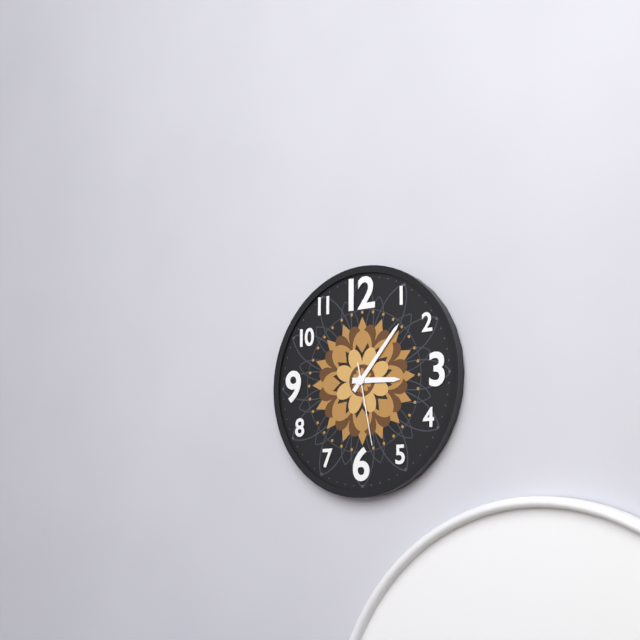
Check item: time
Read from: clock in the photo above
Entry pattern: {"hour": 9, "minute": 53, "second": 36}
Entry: {"hour": 3, "minute": 7, "second": 28}
